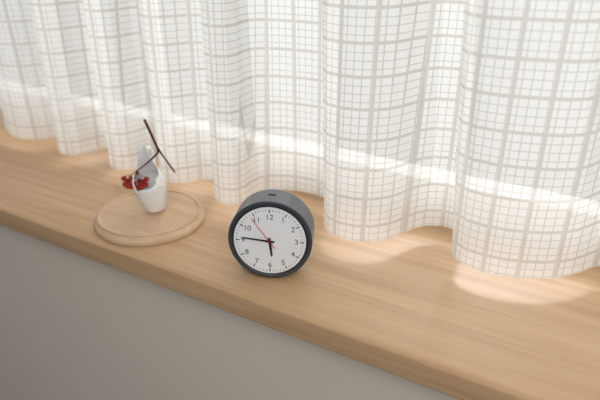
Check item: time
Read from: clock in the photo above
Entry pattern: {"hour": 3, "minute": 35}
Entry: {"hour": 5, "minute": 46}
